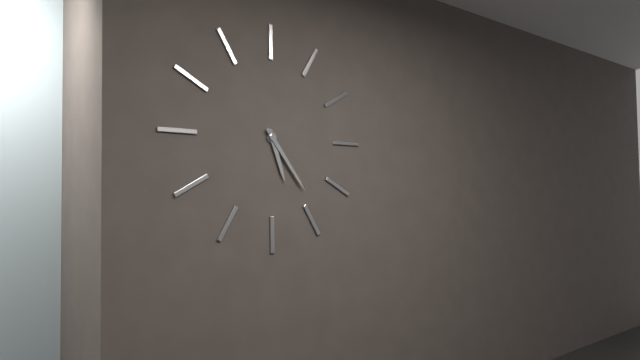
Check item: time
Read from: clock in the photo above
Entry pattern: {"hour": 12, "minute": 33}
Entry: {"hour": 5, "minute": 24}
